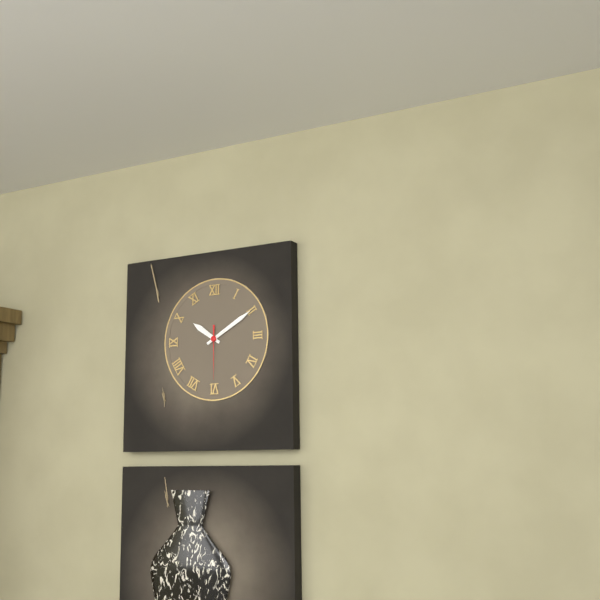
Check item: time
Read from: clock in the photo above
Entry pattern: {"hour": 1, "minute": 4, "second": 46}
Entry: {"hour": 10, "minute": 10, "second": 30}
